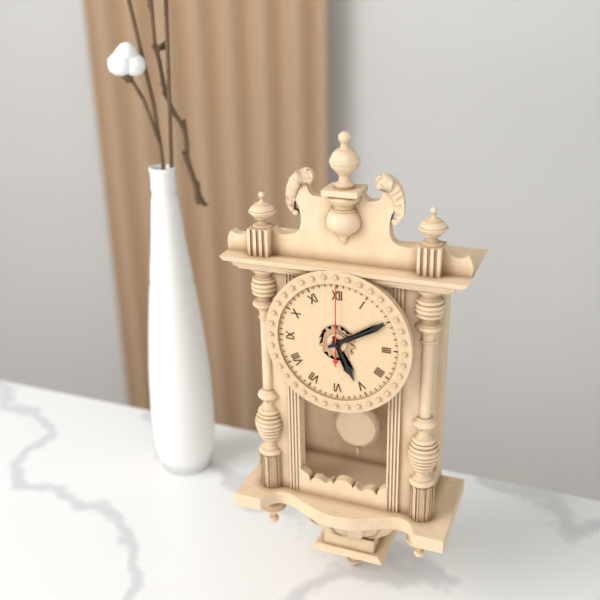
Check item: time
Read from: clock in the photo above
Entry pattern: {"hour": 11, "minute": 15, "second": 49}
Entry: {"hour": 5, "minute": 10, "second": 0}
